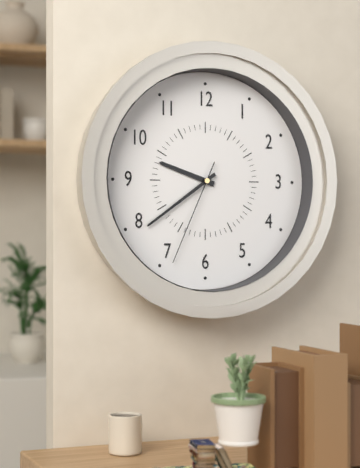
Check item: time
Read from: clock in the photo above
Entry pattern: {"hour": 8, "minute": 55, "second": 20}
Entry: {"hour": 9, "minute": 39, "second": 34}
